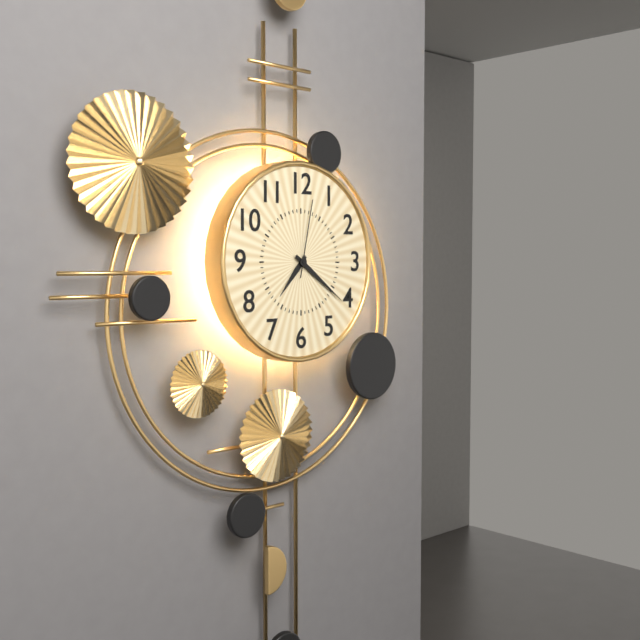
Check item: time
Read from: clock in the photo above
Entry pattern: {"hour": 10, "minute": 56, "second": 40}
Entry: {"hour": 7, "minute": 21, "second": 2}
